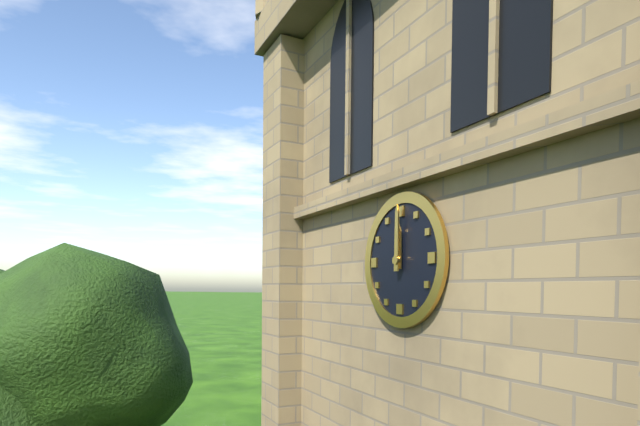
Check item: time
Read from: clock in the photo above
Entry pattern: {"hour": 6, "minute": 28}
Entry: {"hour": 12, "minute": 0}
